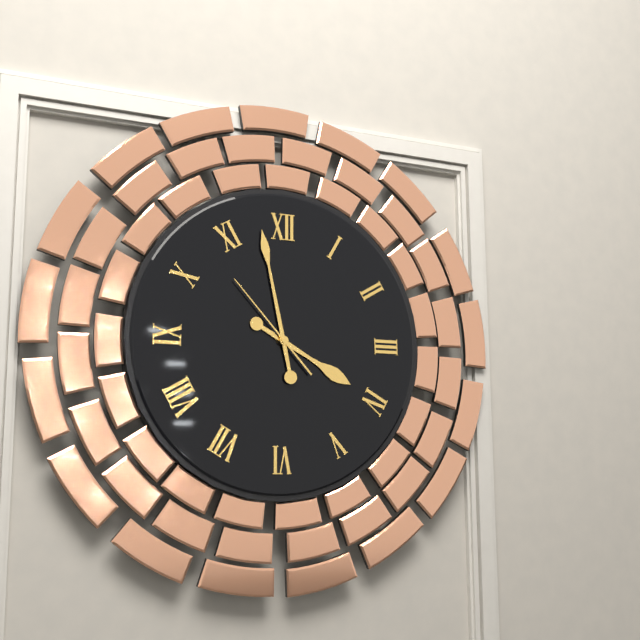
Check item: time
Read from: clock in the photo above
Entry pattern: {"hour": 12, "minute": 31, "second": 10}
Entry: {"hour": 3, "minute": 58, "second": 53}
